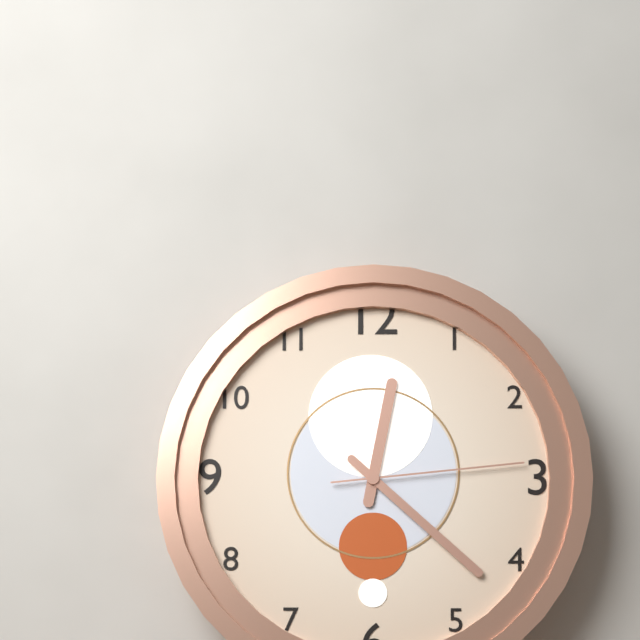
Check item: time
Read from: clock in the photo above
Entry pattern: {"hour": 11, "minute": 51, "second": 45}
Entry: {"hour": 12, "minute": 22, "second": 14}
